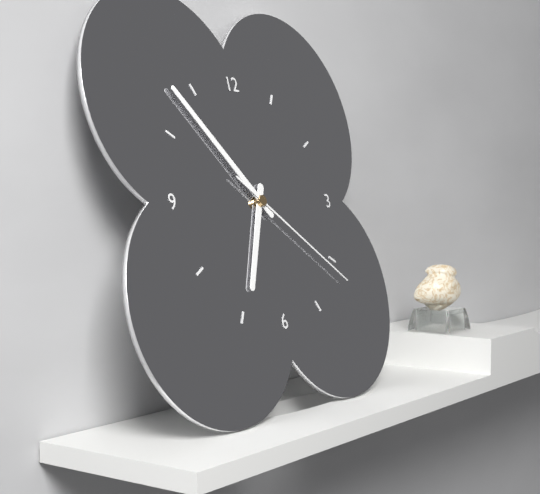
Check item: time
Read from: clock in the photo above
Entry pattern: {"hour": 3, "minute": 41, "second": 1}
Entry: {"hour": 6, "minute": 53, "second": 21}
